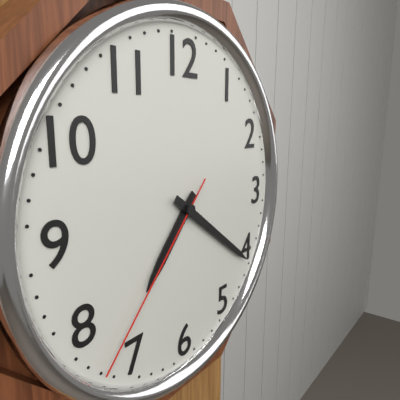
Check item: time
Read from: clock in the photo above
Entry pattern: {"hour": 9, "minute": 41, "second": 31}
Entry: {"hour": 7, "minute": 21, "second": 37}
